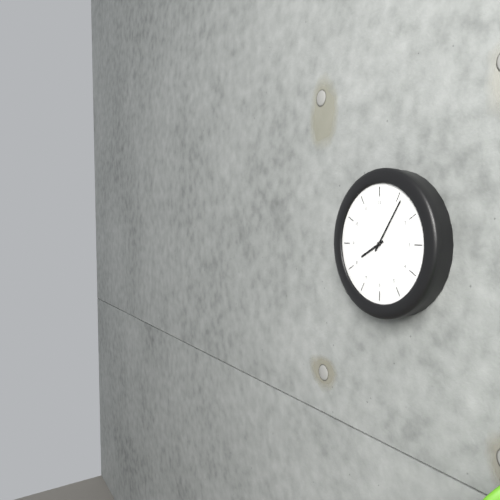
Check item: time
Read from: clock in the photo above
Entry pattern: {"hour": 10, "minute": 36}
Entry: {"hour": 8, "minute": 6}
